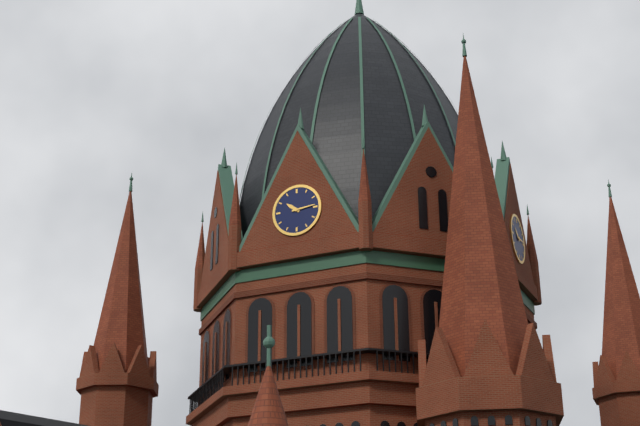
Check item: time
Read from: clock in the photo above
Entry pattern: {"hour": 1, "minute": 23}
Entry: {"hour": 10, "minute": 14}
